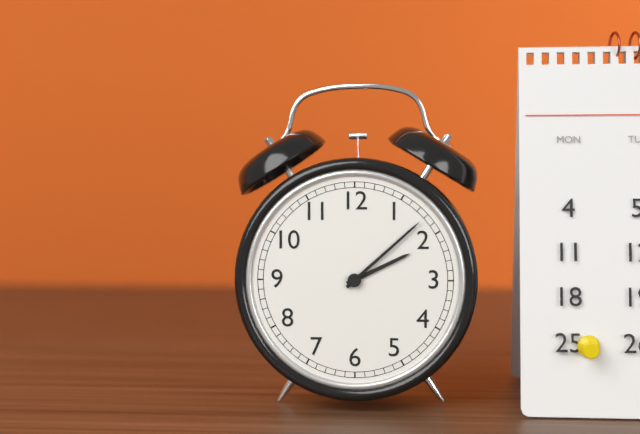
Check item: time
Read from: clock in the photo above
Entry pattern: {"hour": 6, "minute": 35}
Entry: {"hour": 2, "minute": 8}
